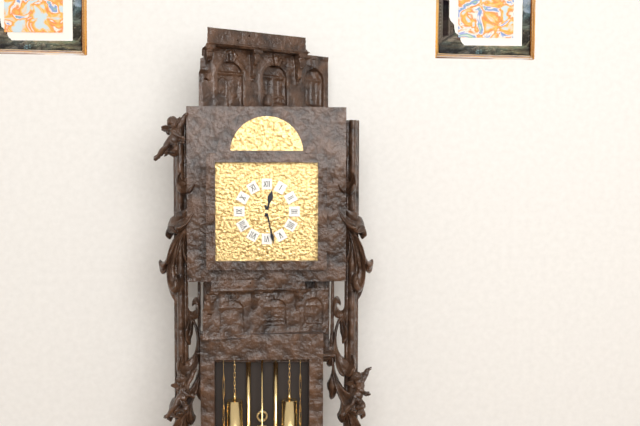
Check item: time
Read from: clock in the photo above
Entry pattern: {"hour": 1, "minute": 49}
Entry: {"hour": 12, "minute": 28}
